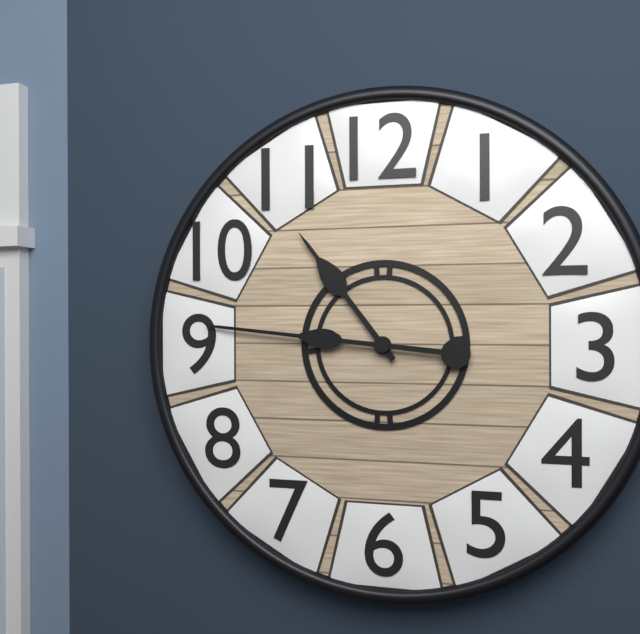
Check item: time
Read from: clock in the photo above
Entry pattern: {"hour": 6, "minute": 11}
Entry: {"hour": 10, "minute": 46}
